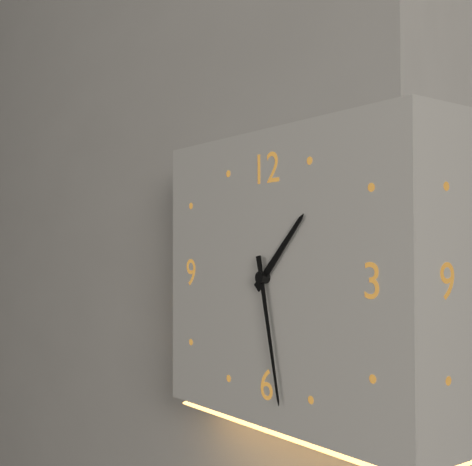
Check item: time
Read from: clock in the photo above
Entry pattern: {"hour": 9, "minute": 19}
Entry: {"hour": 1, "minute": 28}
